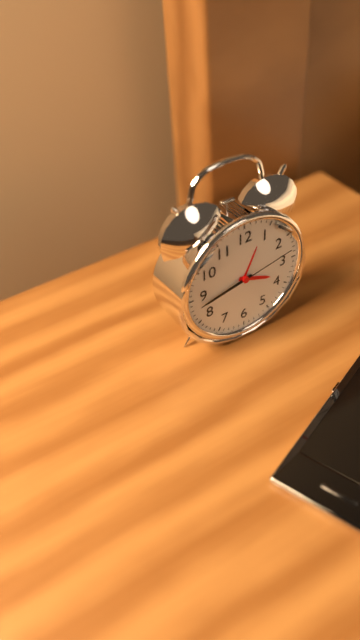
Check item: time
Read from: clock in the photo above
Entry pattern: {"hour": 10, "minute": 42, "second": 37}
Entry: {"hour": 3, "minute": 43, "second": 13}
